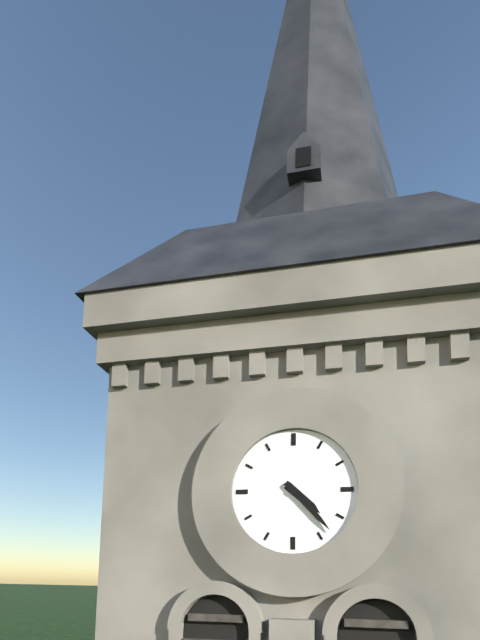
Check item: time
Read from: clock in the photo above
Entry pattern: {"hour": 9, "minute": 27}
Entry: {"hour": 4, "minute": 23}
